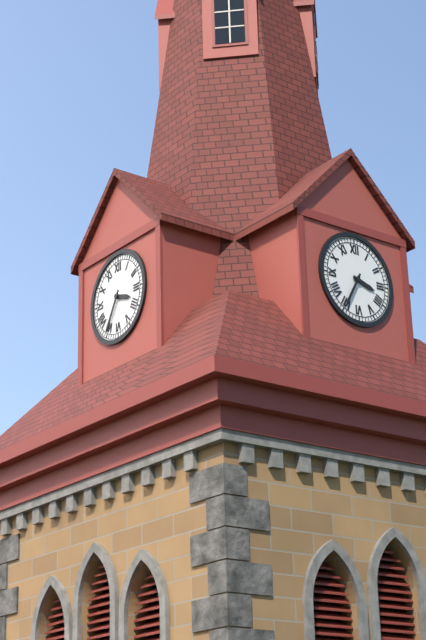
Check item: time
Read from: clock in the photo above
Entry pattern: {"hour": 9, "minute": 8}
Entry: {"hour": 3, "minute": 35}
